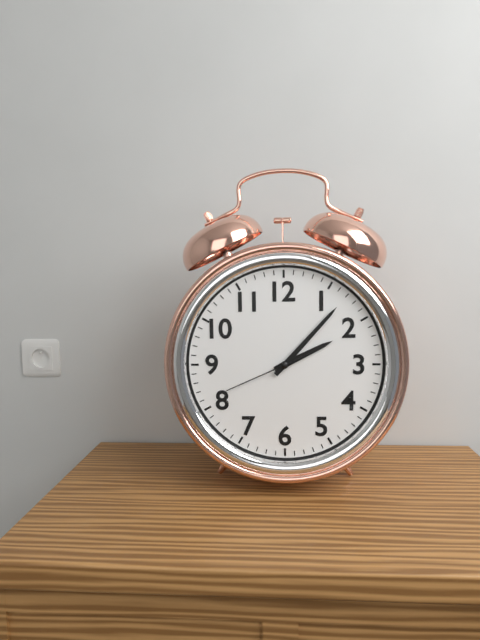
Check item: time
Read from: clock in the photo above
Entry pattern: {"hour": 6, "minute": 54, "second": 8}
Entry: {"hour": 2, "minute": 7, "second": 41}
